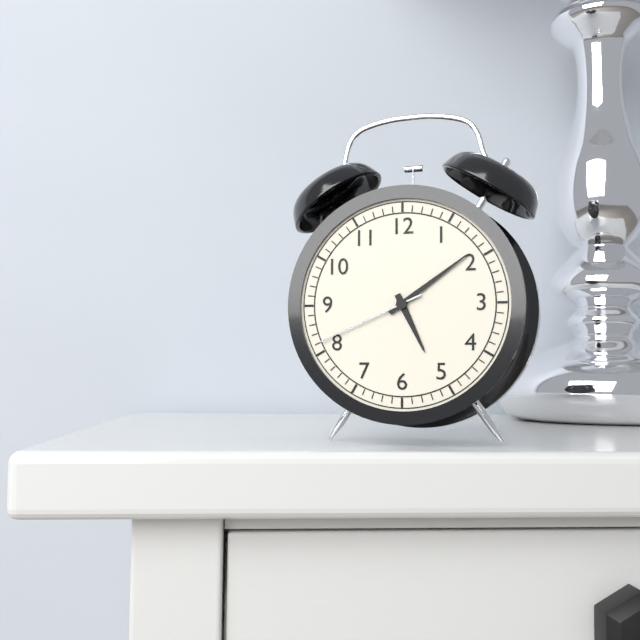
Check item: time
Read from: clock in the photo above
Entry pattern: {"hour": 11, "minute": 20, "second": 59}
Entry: {"hour": 5, "minute": 9, "second": 41}
